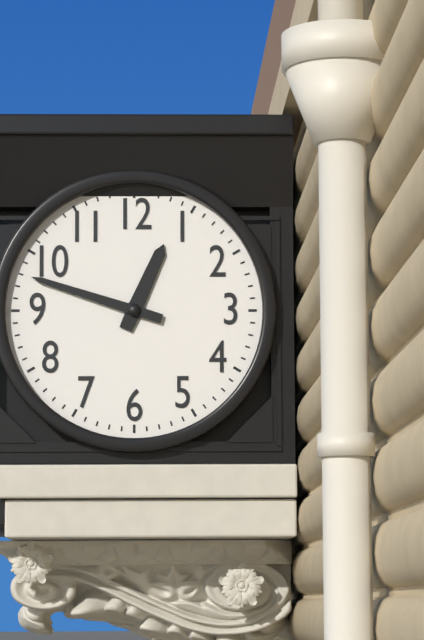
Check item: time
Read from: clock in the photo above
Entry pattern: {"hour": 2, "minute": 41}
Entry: {"hour": 12, "minute": 48}
